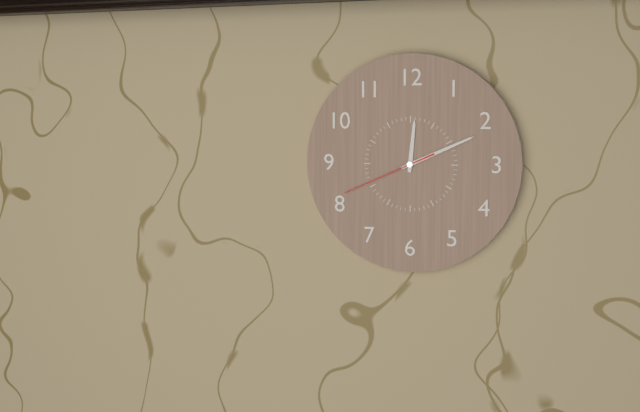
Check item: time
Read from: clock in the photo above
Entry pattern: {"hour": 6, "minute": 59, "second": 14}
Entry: {"hour": 12, "minute": 11, "second": 41}
